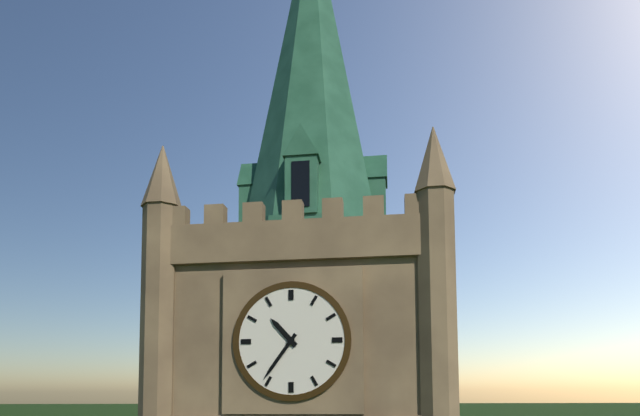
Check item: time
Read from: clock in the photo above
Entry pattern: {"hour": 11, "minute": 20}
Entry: {"hour": 10, "minute": 36}
